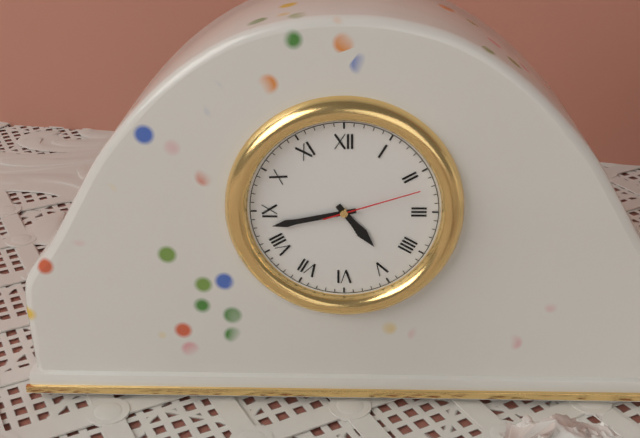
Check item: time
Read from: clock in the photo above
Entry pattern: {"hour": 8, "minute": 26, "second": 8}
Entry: {"hour": 4, "minute": 43, "second": 12}
